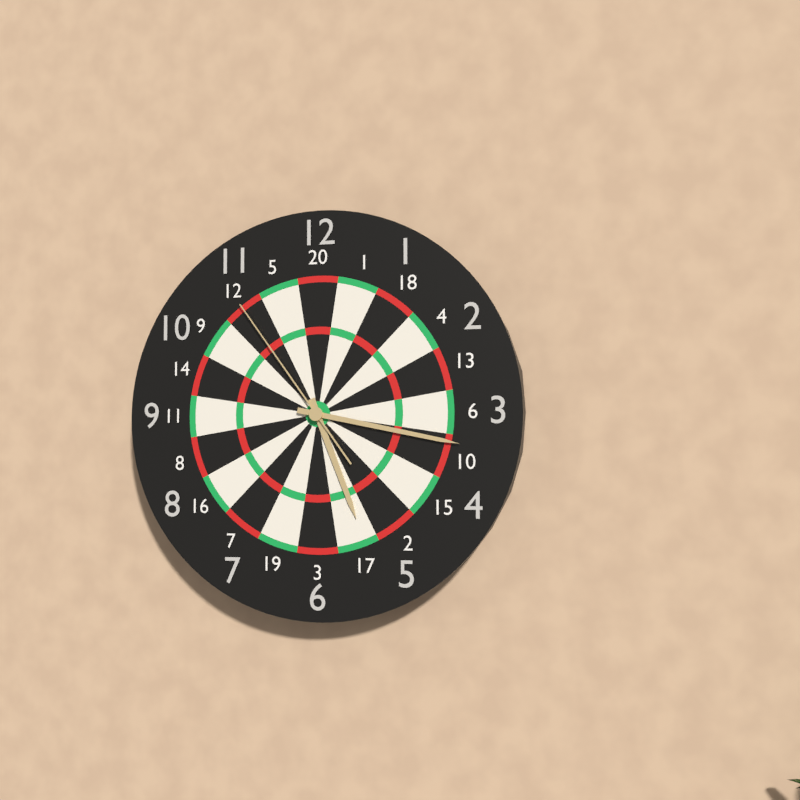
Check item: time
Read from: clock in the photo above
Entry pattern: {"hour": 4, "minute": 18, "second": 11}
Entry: {"hour": 5, "minute": 17, "second": 54}
